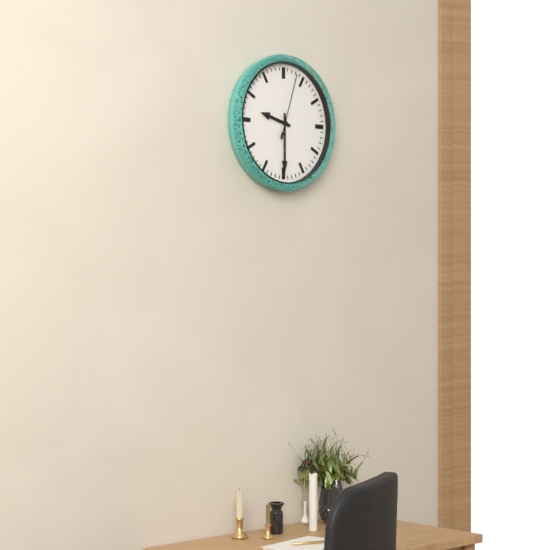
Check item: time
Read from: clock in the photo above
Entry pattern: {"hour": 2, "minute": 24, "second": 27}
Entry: {"hour": 9, "minute": 30, "second": 3}
